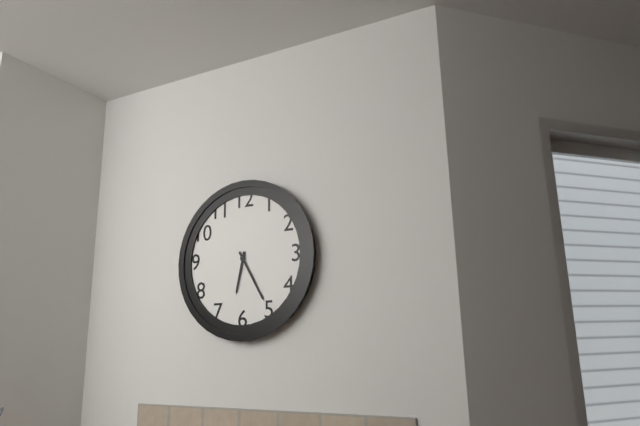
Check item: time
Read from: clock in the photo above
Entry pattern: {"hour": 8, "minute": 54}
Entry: {"hour": 6, "minute": 25}
